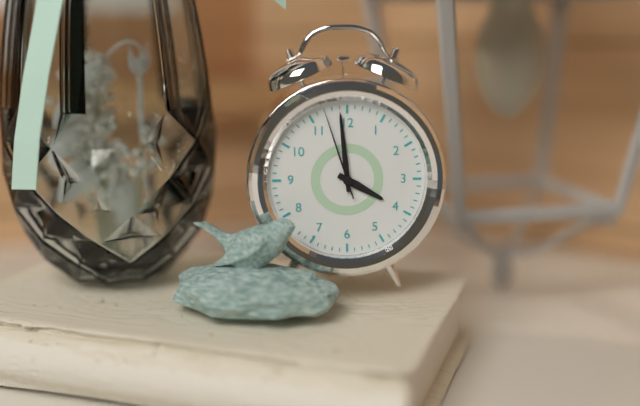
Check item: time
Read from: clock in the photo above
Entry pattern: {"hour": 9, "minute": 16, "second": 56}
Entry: {"hour": 3, "minute": 59, "second": 57}
